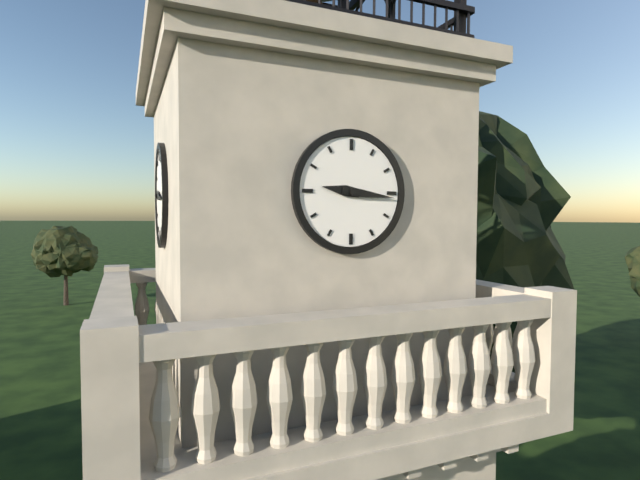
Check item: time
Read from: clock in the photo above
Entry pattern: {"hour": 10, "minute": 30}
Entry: {"hour": 9, "minute": 16}
